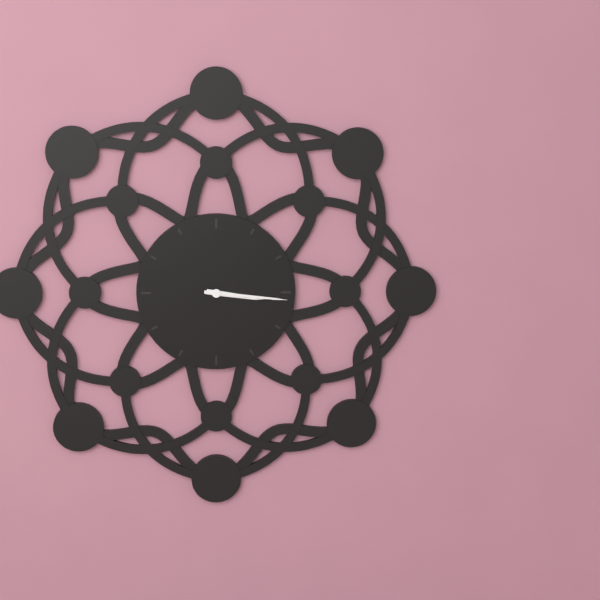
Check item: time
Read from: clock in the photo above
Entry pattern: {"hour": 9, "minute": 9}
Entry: {"hour": 3, "minute": 16}
